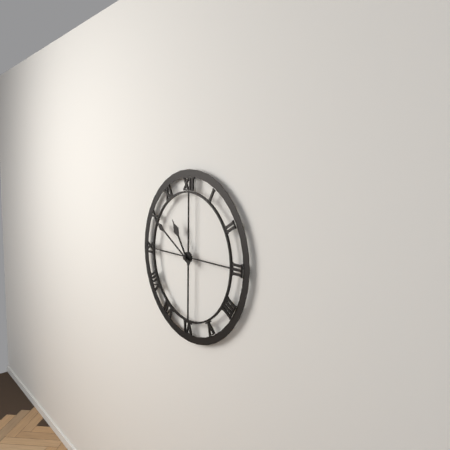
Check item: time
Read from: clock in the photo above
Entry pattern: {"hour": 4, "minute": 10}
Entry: {"hour": 10, "minute": 50}
